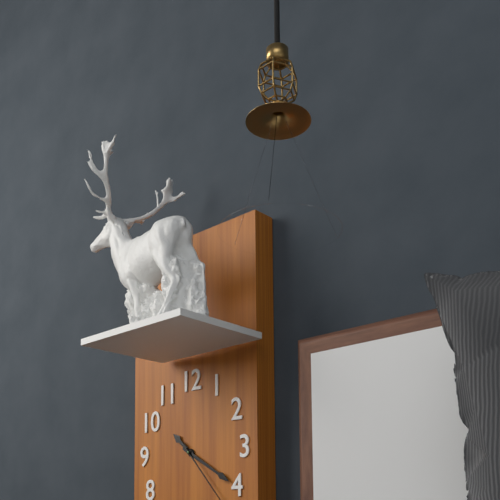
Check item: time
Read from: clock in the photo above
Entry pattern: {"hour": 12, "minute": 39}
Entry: {"hour": 10, "minute": 20}
